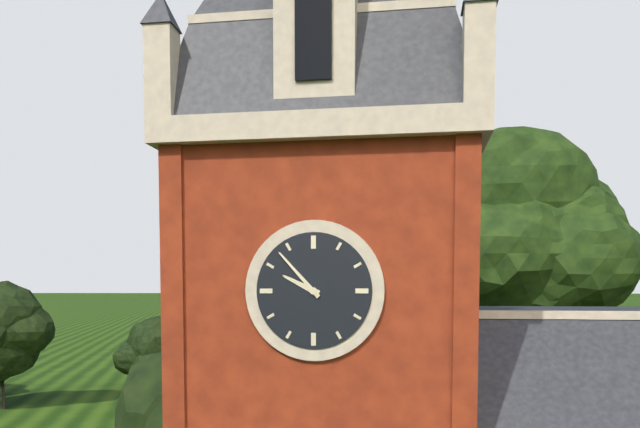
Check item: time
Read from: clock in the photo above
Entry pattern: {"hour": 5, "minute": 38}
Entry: {"hour": 9, "minute": 53}
